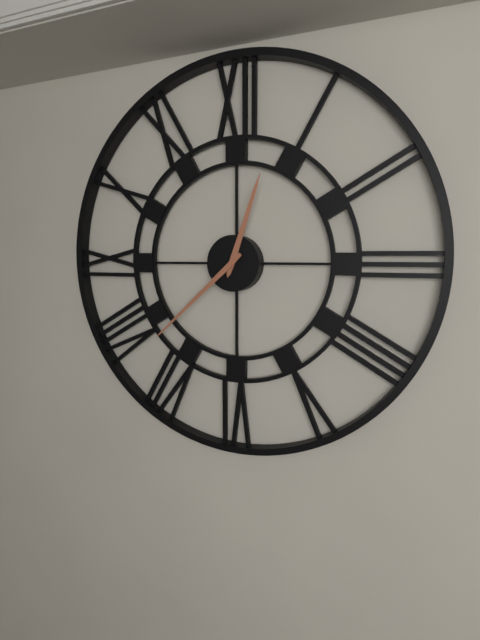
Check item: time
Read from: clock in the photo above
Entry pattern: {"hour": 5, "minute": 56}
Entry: {"hour": 12, "minute": 38}
